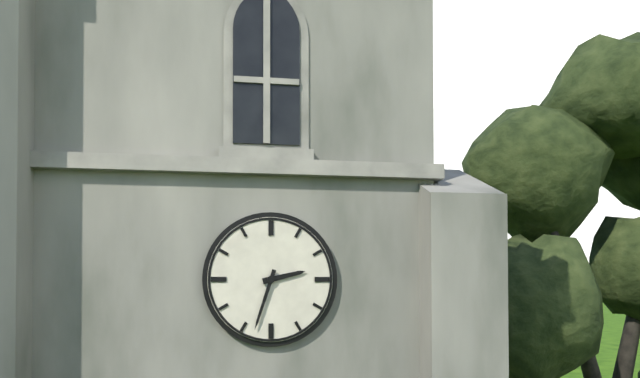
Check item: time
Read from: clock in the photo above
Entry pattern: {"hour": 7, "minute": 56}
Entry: {"hour": 2, "minute": 33}
